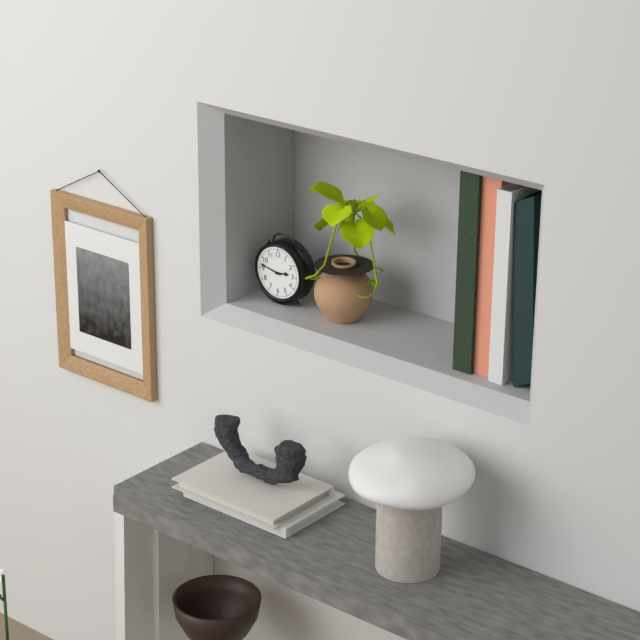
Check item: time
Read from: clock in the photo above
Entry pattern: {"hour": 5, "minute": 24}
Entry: {"hour": 2, "minute": 47}
